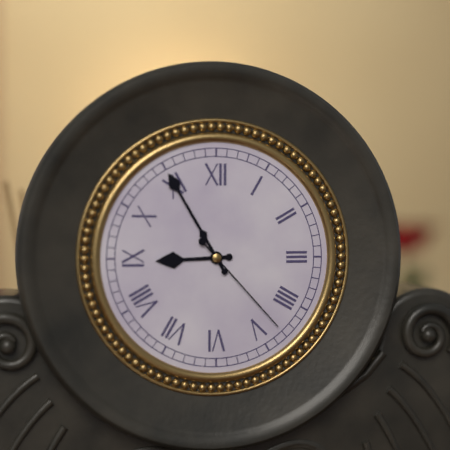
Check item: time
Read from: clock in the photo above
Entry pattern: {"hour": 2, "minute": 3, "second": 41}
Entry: {"hour": 8, "minute": 55, "second": 23}
